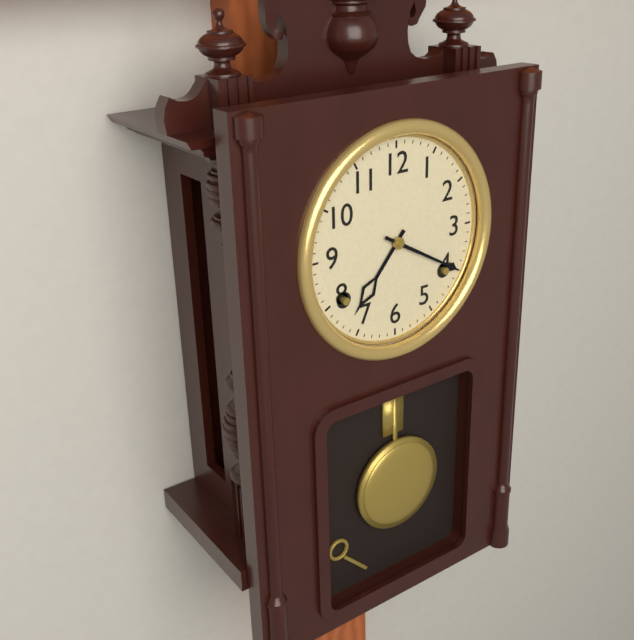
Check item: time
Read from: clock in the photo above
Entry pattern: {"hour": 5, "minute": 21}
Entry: {"hour": 7, "minute": 20}
